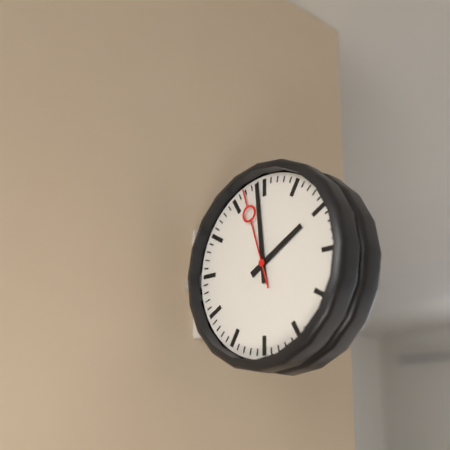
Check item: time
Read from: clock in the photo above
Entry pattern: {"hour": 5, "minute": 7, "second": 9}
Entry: {"hour": 1, "minute": 59, "second": 57}
